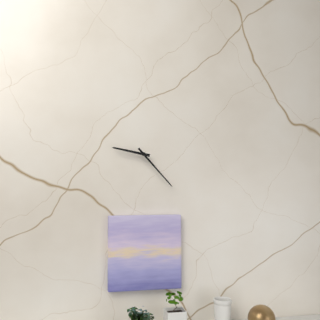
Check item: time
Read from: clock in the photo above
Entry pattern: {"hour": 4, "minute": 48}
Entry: {"hour": 9, "minute": 23}
